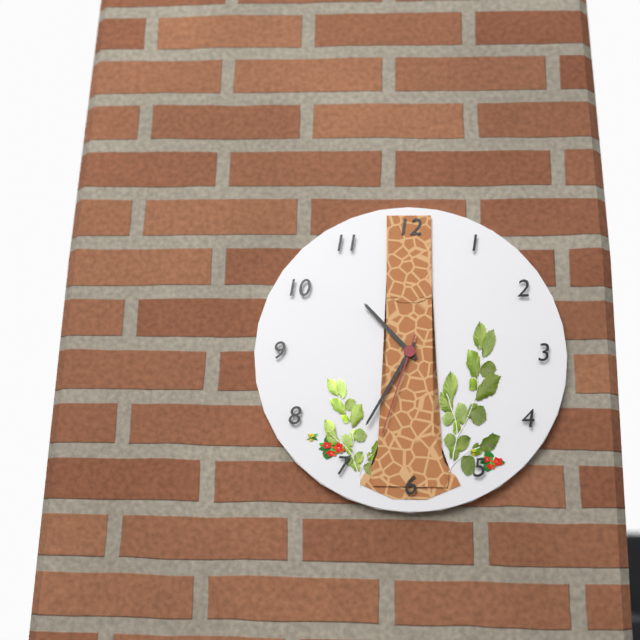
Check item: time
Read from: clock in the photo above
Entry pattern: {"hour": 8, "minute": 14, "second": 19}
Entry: {"hour": 10, "minute": 35, "second": 33}
